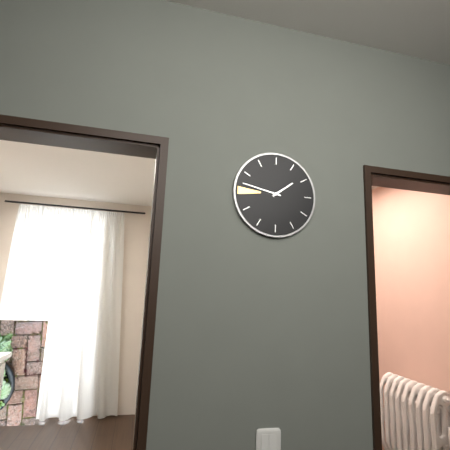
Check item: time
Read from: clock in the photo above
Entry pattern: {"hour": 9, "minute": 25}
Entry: {"hour": 1, "minute": 47}
